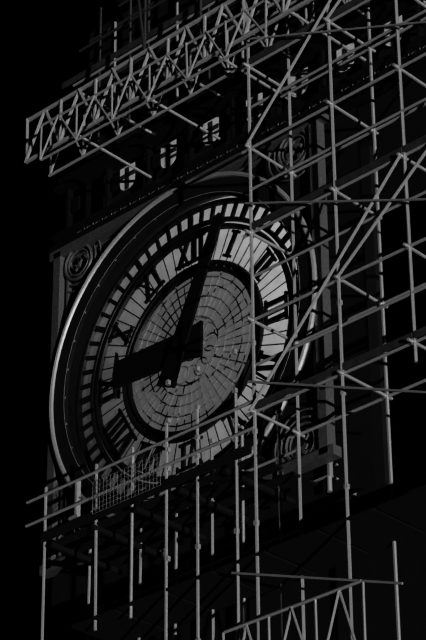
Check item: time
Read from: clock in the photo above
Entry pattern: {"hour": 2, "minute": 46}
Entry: {"hour": 9, "minute": 4}
